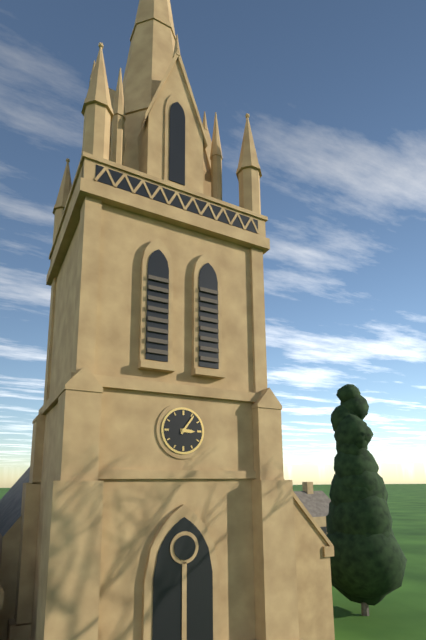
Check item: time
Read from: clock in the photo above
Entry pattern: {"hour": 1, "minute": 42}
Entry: {"hour": 3, "minute": 6}
